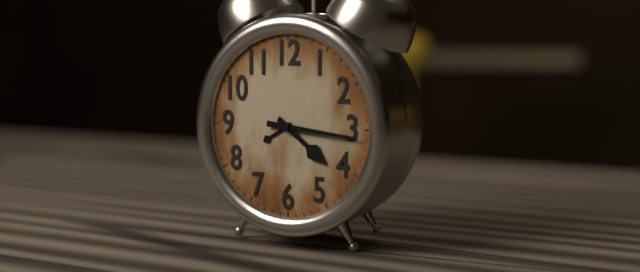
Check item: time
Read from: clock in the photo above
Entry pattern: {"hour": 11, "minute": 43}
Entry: {"hour": 4, "minute": 16}
